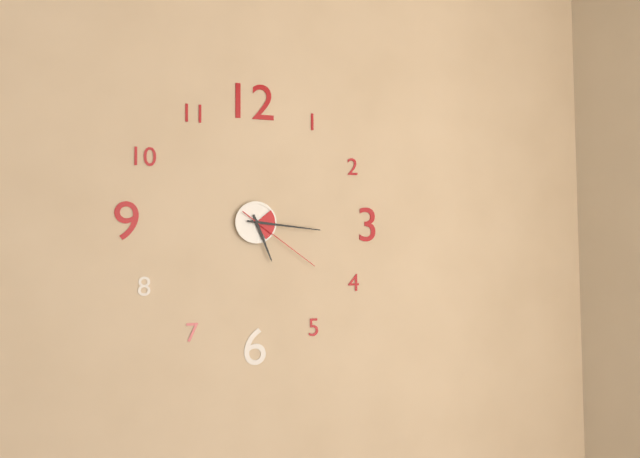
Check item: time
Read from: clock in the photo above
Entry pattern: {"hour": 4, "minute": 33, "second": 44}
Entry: {"hour": 5, "minute": 16, "second": 21}
